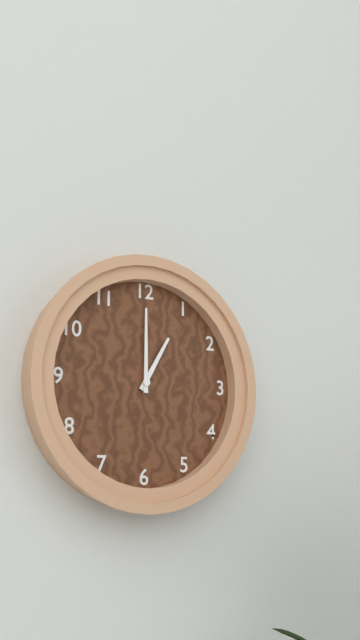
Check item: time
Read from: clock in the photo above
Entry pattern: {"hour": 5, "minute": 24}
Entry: {"hour": 1, "minute": 0}
